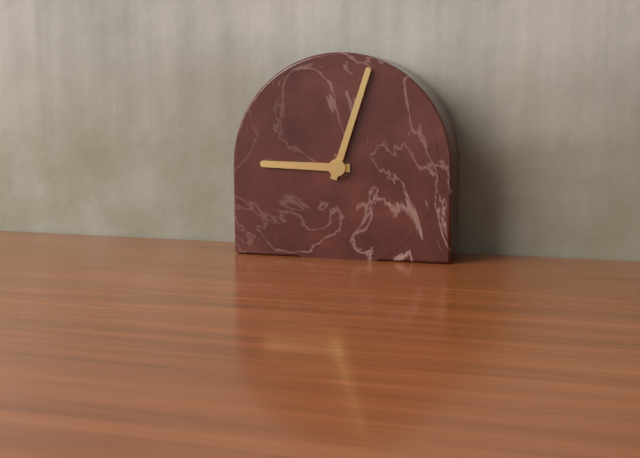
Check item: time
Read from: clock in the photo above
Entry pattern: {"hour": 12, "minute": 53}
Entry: {"hour": 9, "minute": 3}
